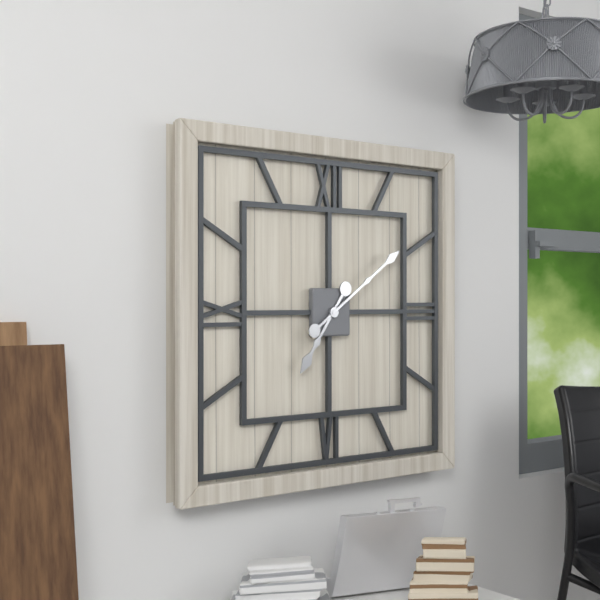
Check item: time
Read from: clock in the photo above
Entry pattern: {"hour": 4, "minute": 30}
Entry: {"hour": 7, "minute": 9}
